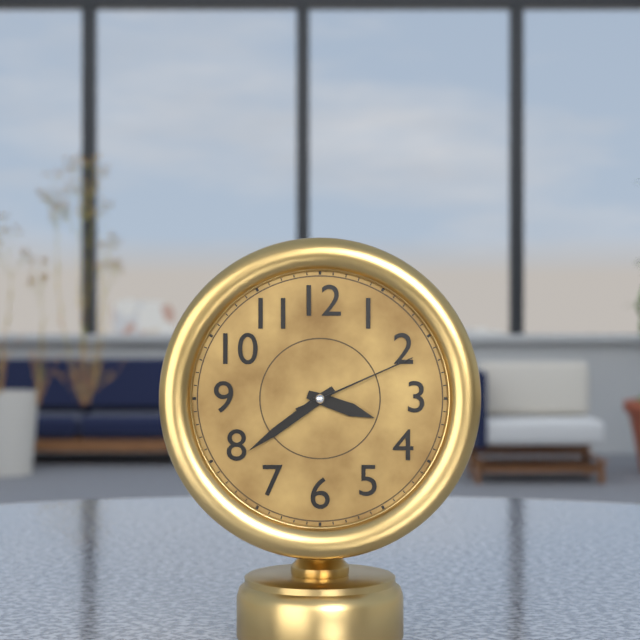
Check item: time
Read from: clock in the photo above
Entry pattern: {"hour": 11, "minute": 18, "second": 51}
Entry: {"hour": 3, "minute": 39, "second": 11}
